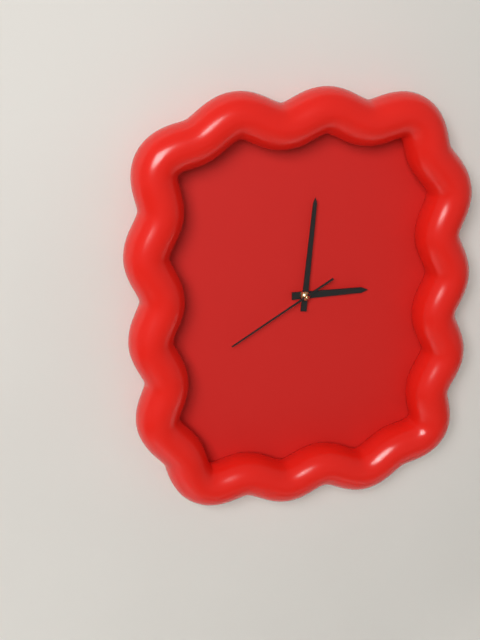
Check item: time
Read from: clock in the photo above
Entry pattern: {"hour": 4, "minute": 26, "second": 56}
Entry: {"hour": 3, "minute": 1, "second": 40}
